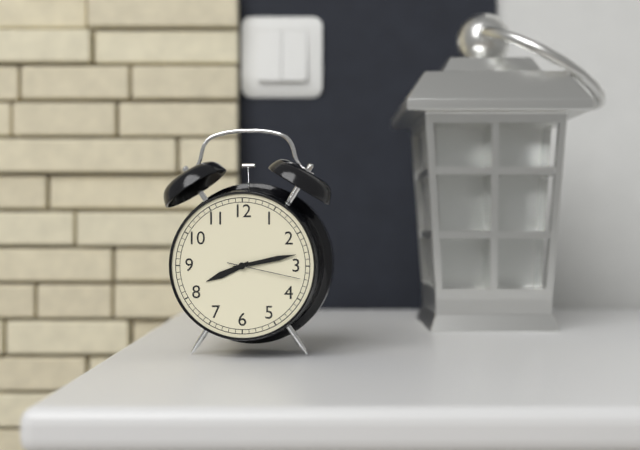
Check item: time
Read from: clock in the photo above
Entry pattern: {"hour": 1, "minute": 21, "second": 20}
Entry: {"hour": 8, "minute": 13, "second": 17}
